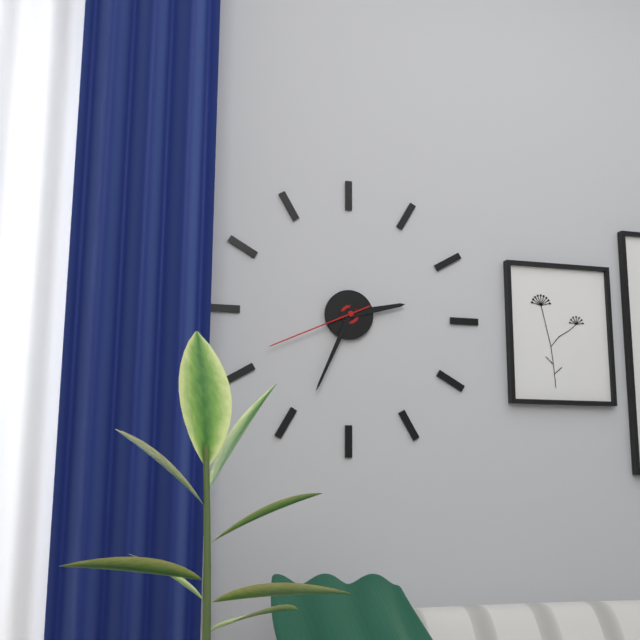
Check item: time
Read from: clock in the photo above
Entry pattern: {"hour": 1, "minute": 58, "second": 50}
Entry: {"hour": 2, "minute": 34, "second": 41}
